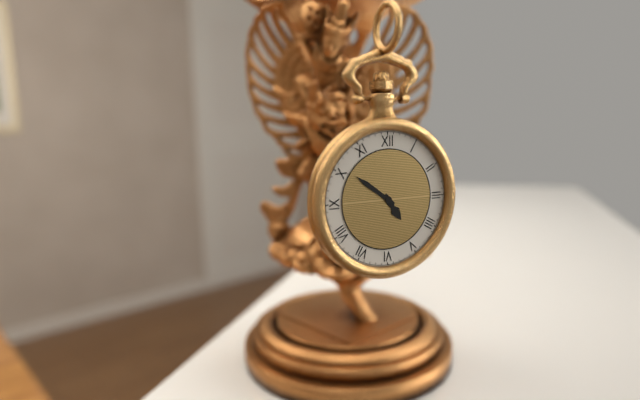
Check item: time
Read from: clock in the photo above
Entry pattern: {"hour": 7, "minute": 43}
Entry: {"hour": 4, "minute": 51}
